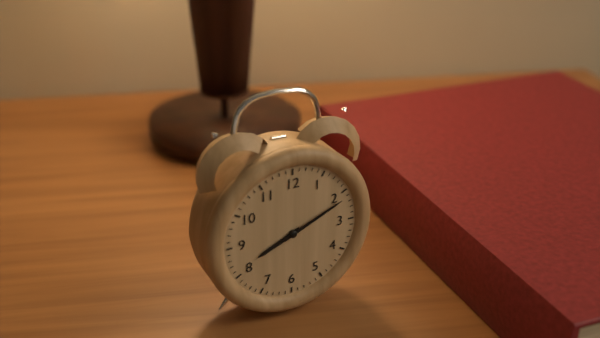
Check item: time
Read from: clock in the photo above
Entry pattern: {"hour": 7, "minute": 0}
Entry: {"hour": 8, "minute": 11}
